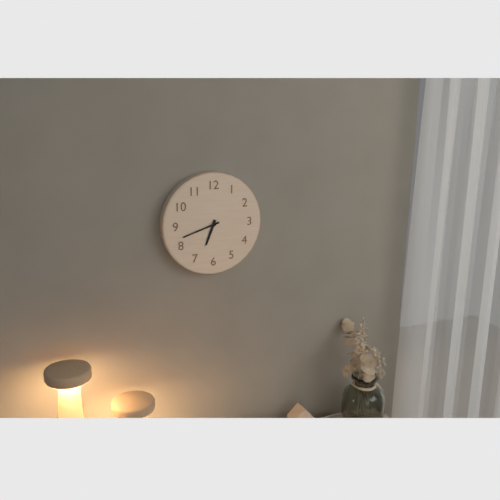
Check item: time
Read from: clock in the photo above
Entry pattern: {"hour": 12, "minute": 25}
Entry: {"hour": 6, "minute": 42}
